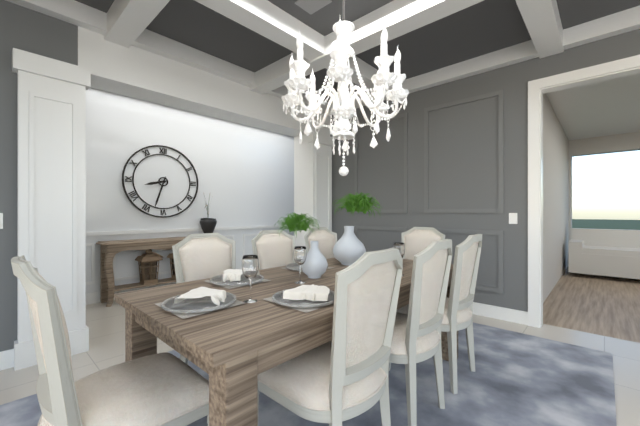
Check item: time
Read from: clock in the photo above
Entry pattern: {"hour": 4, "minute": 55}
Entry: {"hour": 8, "minute": 33}
